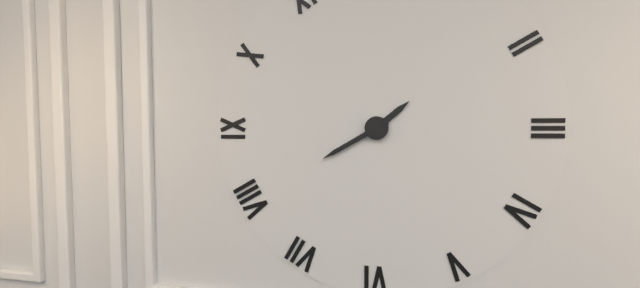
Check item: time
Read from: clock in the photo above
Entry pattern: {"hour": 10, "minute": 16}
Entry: {"hour": 1, "minute": 40}
